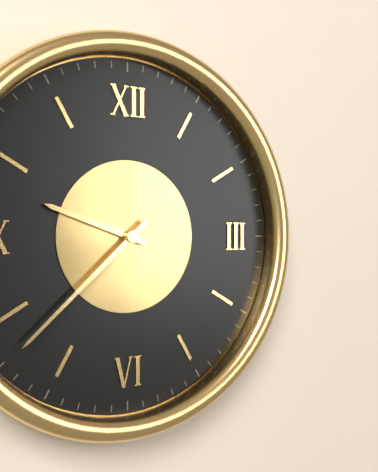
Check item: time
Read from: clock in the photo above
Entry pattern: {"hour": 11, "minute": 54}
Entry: {"hour": 9, "minute": 38}
